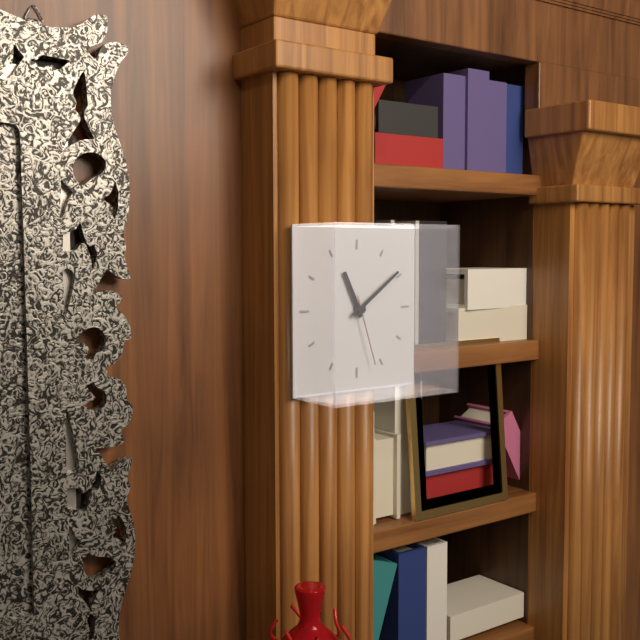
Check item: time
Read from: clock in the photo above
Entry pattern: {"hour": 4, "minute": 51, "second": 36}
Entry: {"hour": 11, "minute": 9, "second": 27}
